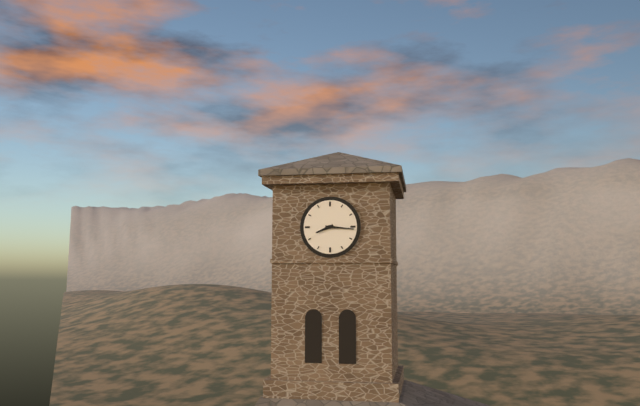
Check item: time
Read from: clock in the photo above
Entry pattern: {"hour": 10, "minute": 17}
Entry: {"hour": 8, "minute": 16}
